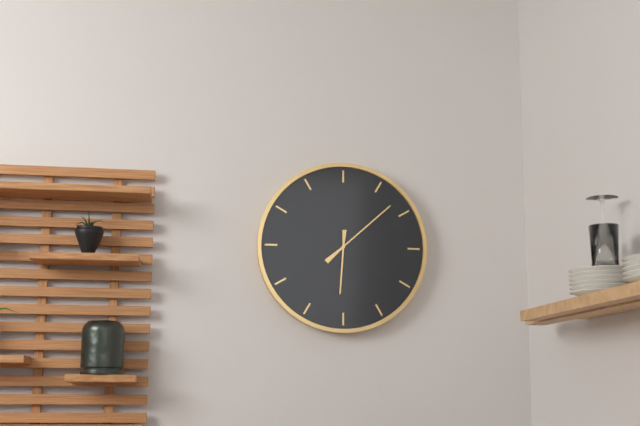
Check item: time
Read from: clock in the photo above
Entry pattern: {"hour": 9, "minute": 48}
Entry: {"hour": 6, "minute": 8}
